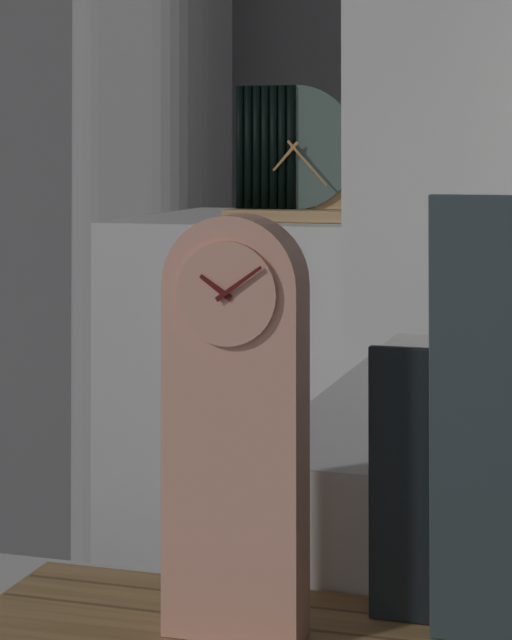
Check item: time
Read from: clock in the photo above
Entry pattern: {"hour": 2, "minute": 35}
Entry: {"hour": 7, "minute": 23}
